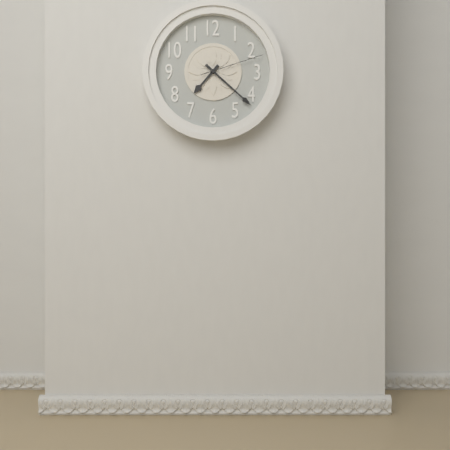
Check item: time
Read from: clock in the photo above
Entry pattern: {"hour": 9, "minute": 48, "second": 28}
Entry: {"hour": 7, "minute": 22, "second": 12}
